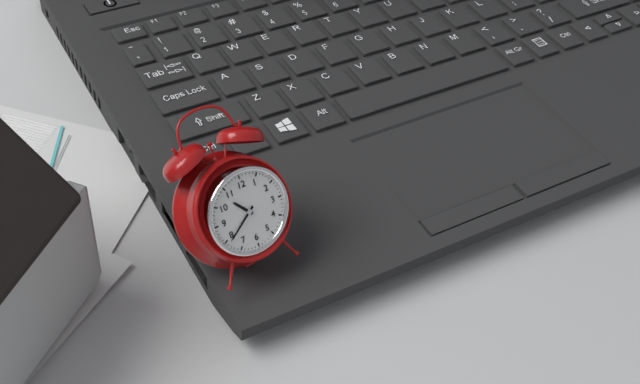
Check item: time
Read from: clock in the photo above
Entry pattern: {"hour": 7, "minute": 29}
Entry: {"hour": 10, "minute": 39}
